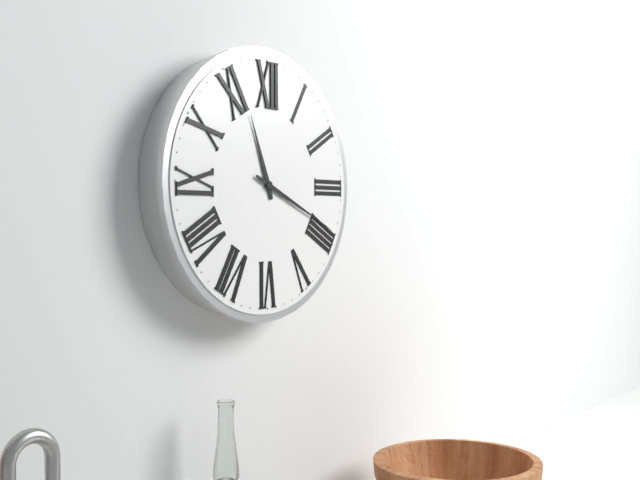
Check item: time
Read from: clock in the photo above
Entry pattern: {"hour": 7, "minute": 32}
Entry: {"hour": 11, "minute": 19}
